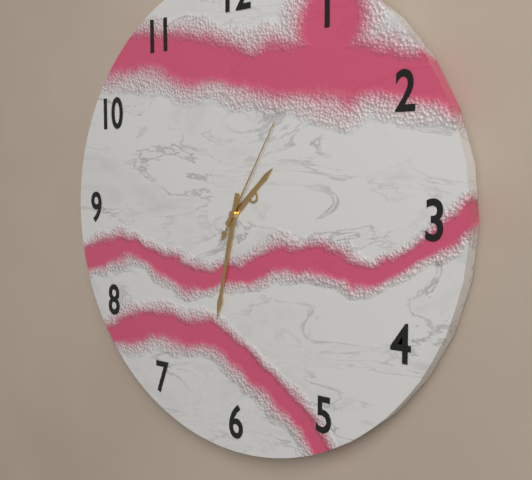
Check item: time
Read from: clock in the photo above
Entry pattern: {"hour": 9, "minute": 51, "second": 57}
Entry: {"hour": 1, "minute": 32, "second": 5}
